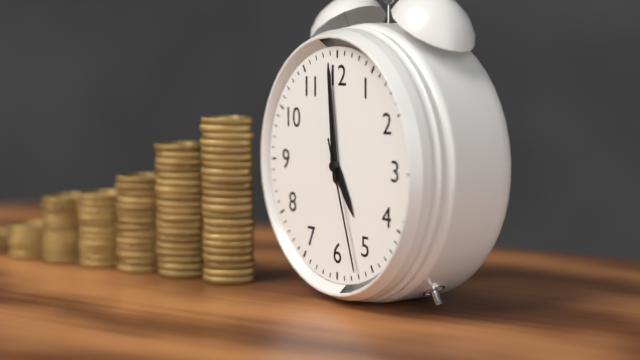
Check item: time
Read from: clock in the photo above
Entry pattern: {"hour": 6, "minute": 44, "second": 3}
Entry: {"hour": 4, "minute": 59, "second": 27}
